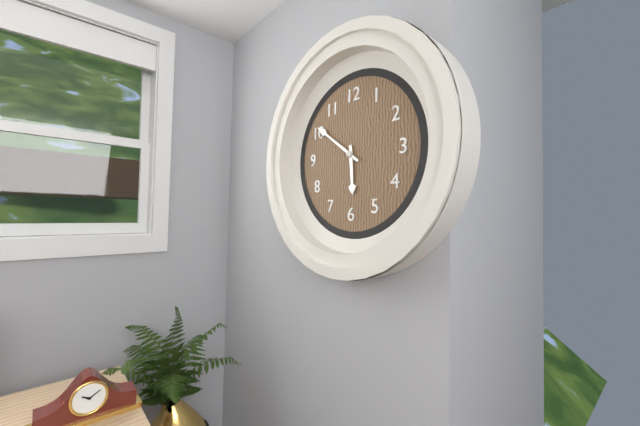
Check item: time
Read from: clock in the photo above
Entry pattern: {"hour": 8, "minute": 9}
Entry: {"hour": 5, "minute": 51}
